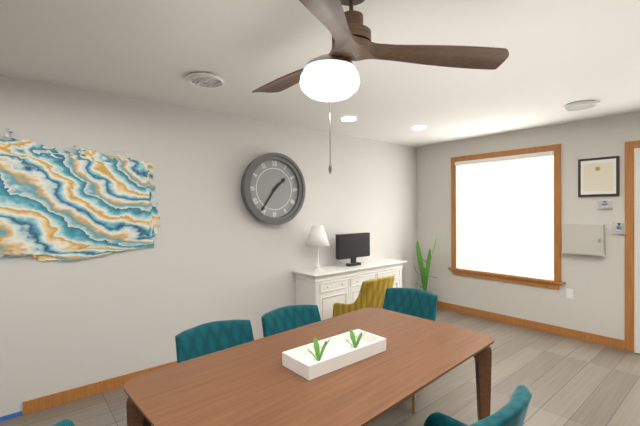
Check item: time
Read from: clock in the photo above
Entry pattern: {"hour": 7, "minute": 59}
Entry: {"hour": 1, "minute": 36}
